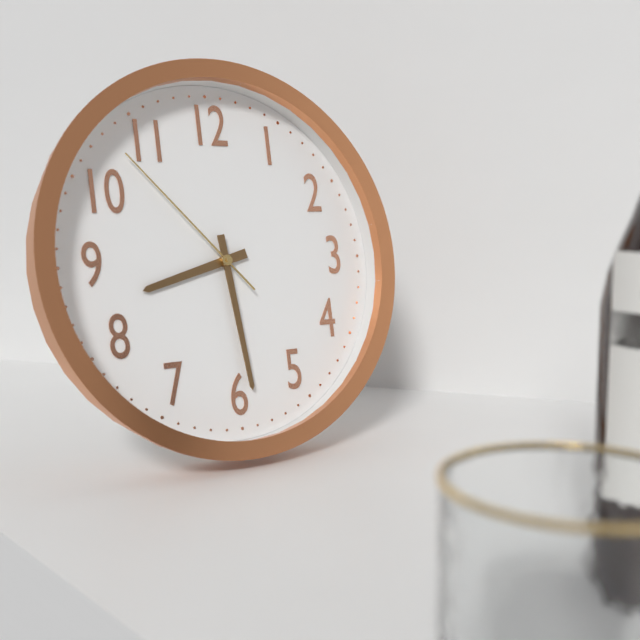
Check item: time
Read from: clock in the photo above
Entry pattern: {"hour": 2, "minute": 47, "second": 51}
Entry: {"hour": 8, "minute": 29, "second": 53}
